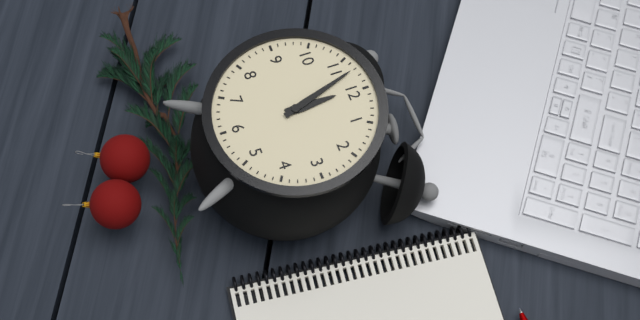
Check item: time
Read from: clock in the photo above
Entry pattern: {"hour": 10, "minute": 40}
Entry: {"hour": 11, "minute": 57}
